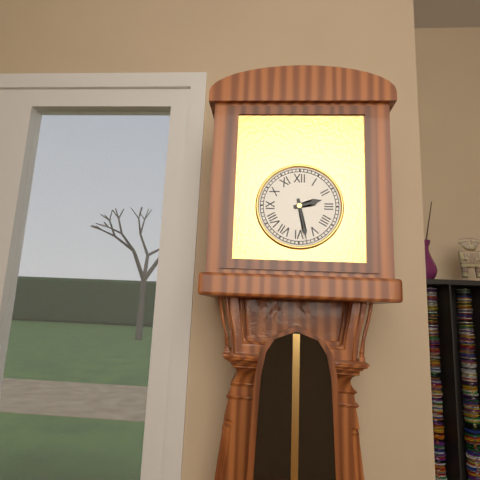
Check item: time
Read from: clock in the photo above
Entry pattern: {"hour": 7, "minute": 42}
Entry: {"hour": 2, "minute": 28}
